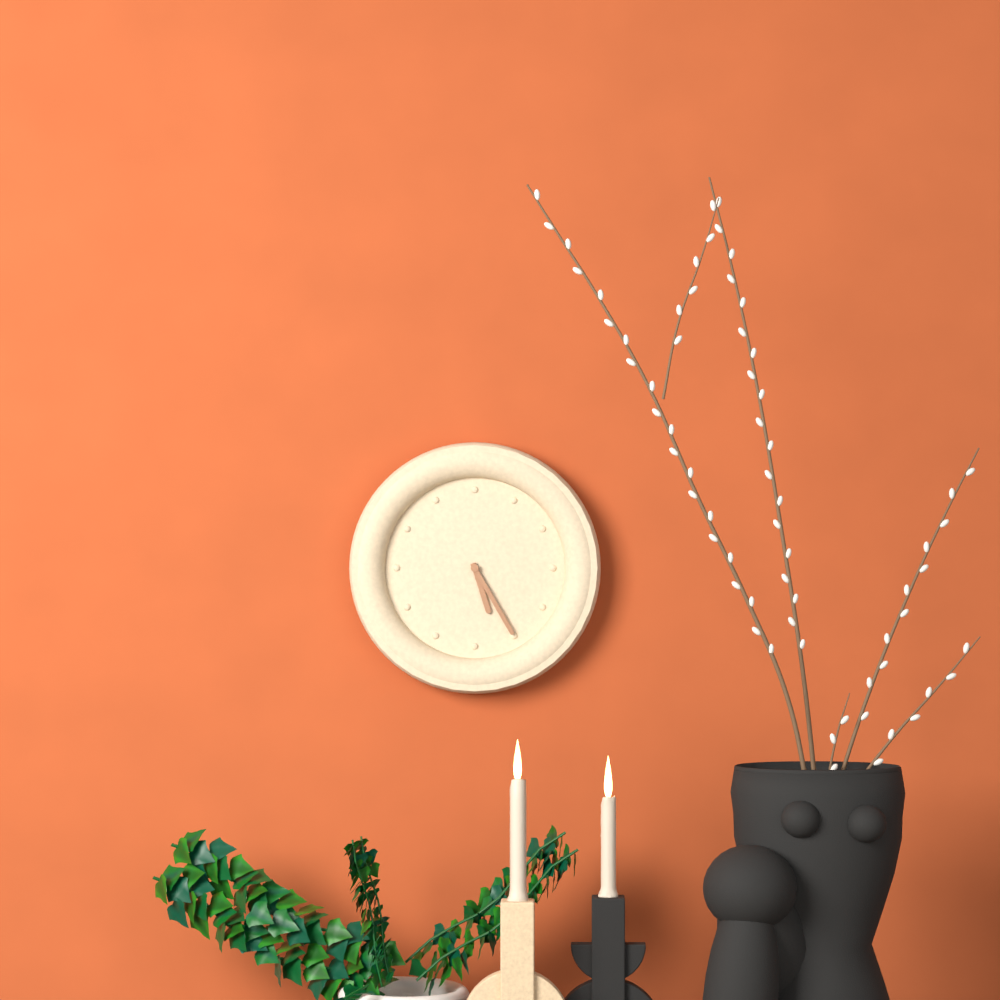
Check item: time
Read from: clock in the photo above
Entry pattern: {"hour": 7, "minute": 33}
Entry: {"hour": 5, "minute": 25}
